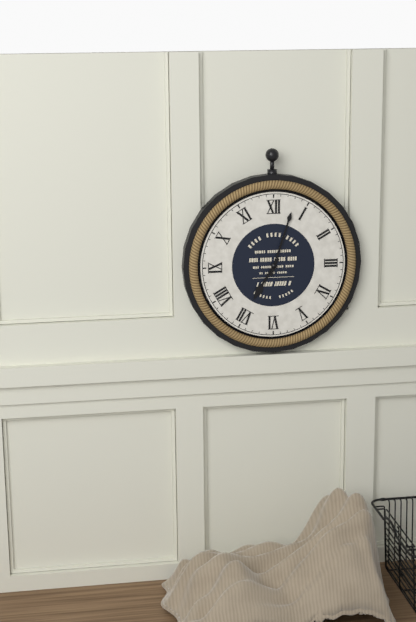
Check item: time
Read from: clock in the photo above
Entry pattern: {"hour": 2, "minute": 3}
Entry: {"hour": 7, "minute": 3}
